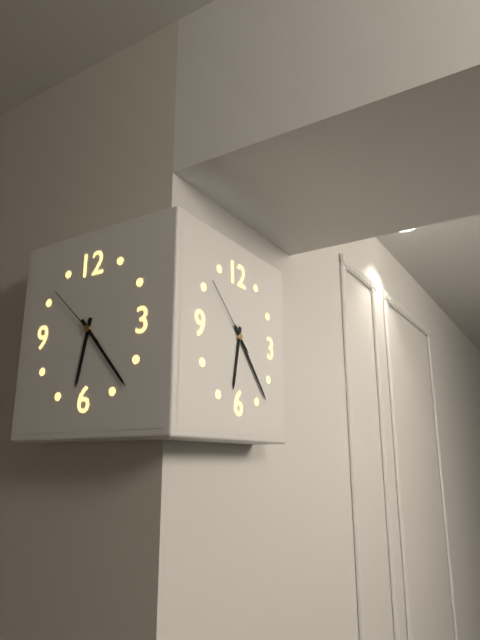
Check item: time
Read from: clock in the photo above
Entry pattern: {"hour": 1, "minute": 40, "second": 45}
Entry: {"hour": 6, "minute": 23, "second": 52}
